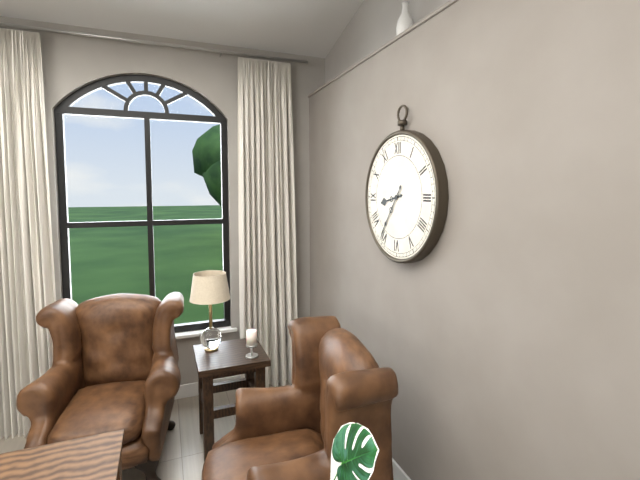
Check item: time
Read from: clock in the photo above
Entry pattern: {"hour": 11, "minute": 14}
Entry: {"hour": 8, "minute": 36}
